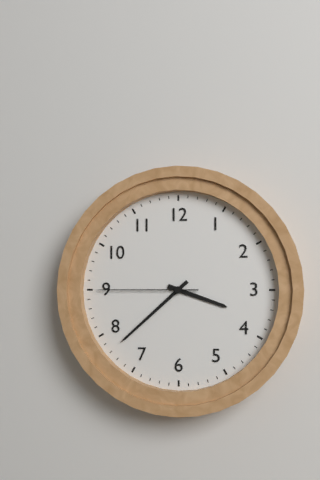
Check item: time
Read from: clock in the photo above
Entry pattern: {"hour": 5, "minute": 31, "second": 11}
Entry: {"hour": 3, "minute": 38, "second": 45}
